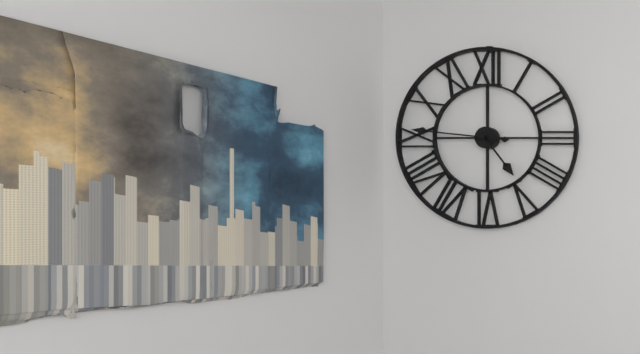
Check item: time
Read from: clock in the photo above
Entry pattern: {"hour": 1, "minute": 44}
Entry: {"hour": 4, "minute": 46}
